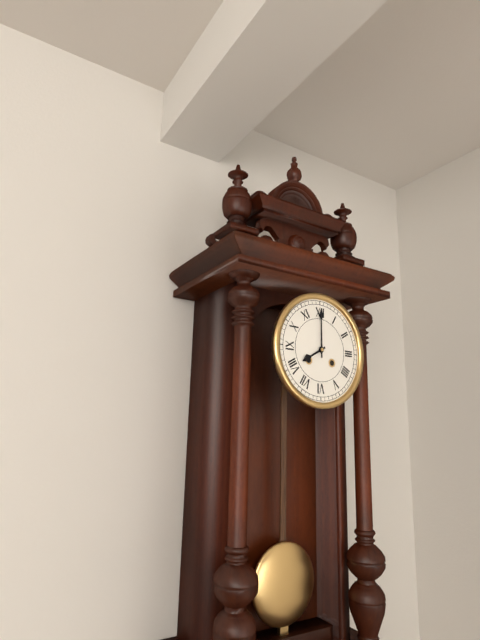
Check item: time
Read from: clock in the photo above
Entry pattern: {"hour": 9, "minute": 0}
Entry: {"hour": 8, "minute": 0}
